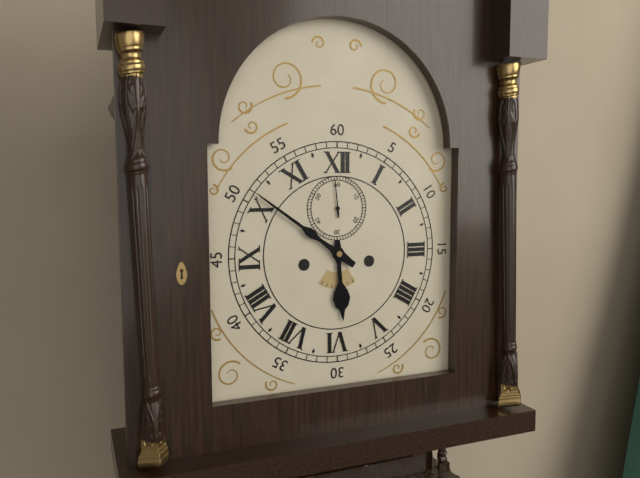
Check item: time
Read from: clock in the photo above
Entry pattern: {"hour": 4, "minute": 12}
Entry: {"hour": 5, "minute": 51}
